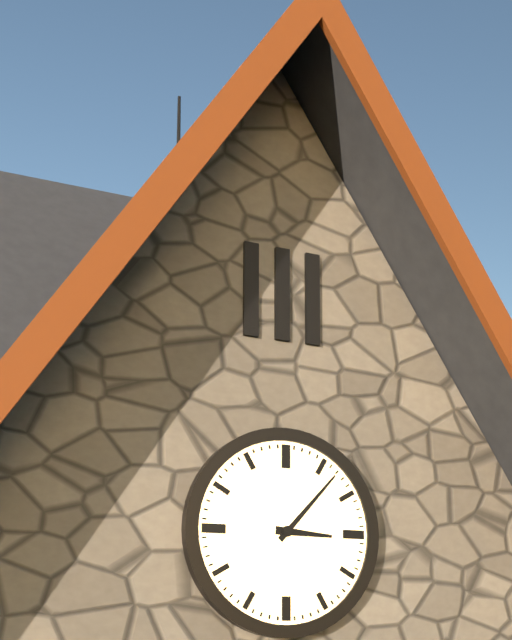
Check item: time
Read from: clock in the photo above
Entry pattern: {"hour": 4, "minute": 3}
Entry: {"hour": 3, "minute": 7}
